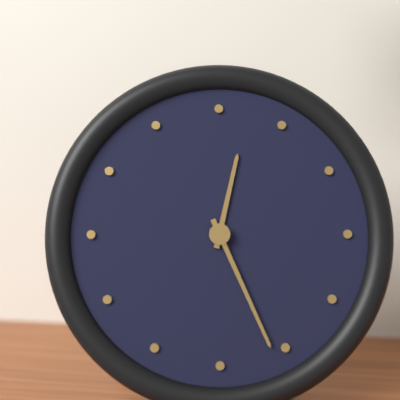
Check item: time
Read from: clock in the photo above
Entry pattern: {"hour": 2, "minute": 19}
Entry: {"hour": 12, "minute": 26}
